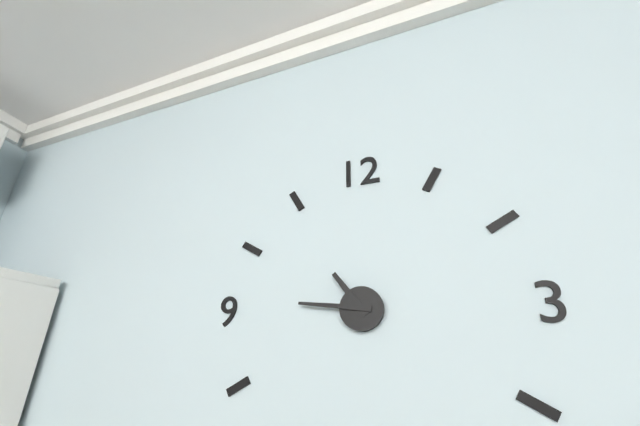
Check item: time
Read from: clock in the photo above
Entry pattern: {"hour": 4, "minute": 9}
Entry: {"hour": 10, "minute": 46}
